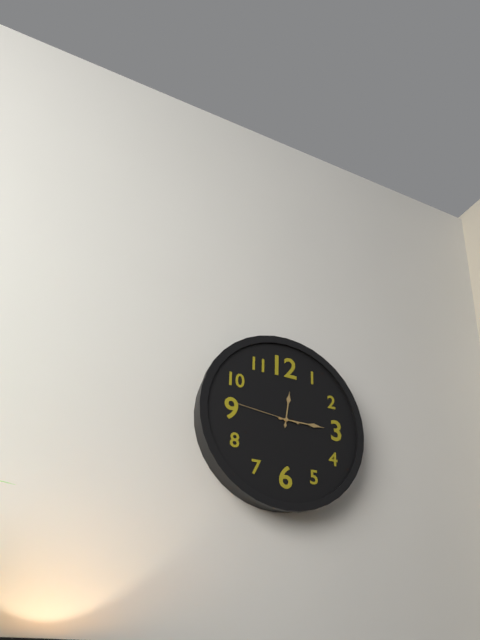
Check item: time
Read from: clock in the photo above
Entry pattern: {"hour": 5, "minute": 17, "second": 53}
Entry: {"hour": 12, "minute": 15, "second": 46}
